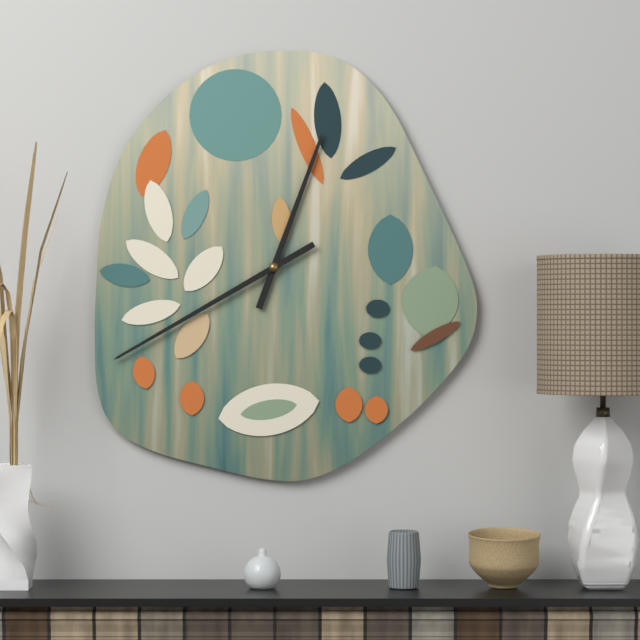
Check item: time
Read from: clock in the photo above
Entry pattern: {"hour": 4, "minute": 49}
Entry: {"hour": 12, "minute": 40}
